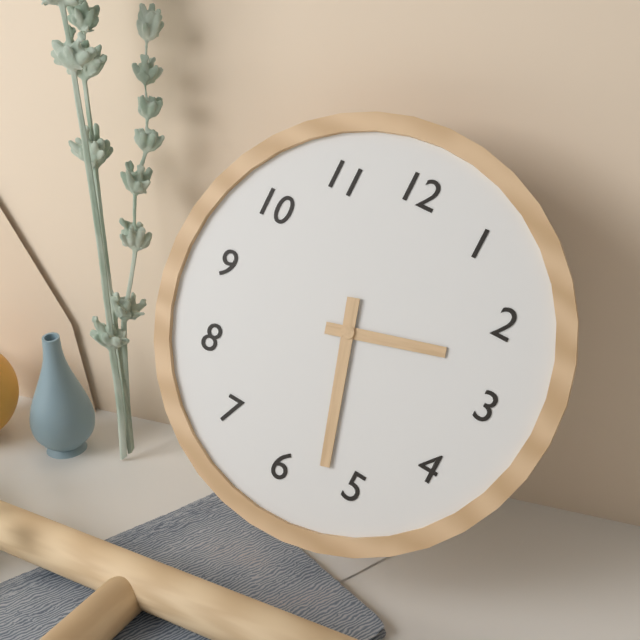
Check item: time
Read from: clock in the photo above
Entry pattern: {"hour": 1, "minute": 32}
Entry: {"hour": 2, "minute": 27}
